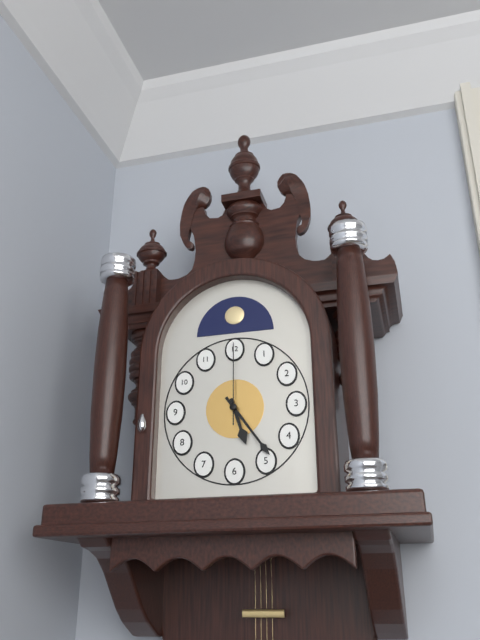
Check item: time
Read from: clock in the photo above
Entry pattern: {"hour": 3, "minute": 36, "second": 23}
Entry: {"hour": 5, "minute": 24, "second": 0}
